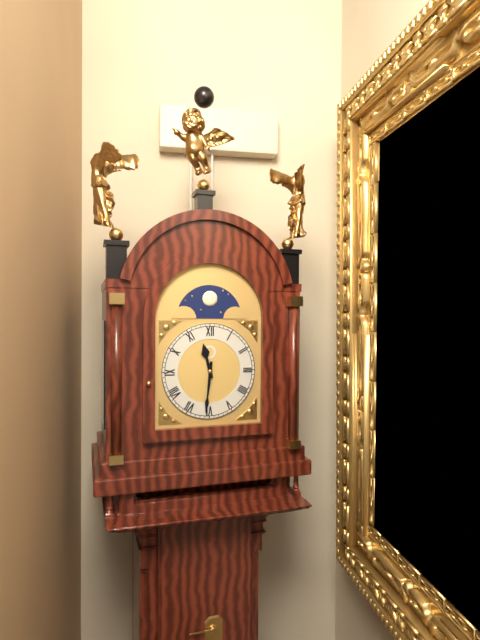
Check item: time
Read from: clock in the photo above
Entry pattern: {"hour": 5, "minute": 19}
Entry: {"hour": 11, "minute": 31}
